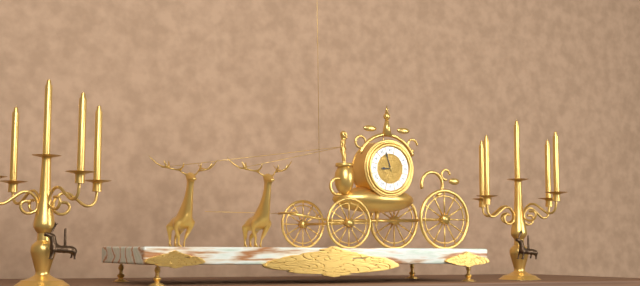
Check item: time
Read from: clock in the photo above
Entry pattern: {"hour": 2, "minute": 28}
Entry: {"hour": 8, "minute": 57}
